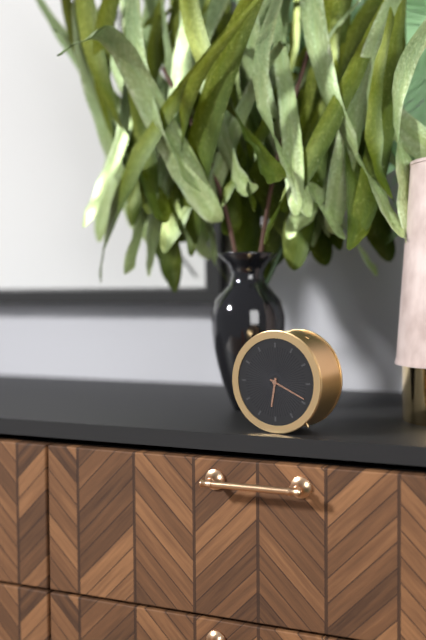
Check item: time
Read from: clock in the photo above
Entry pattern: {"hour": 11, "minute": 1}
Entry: {"hour": 6, "minute": 19}
